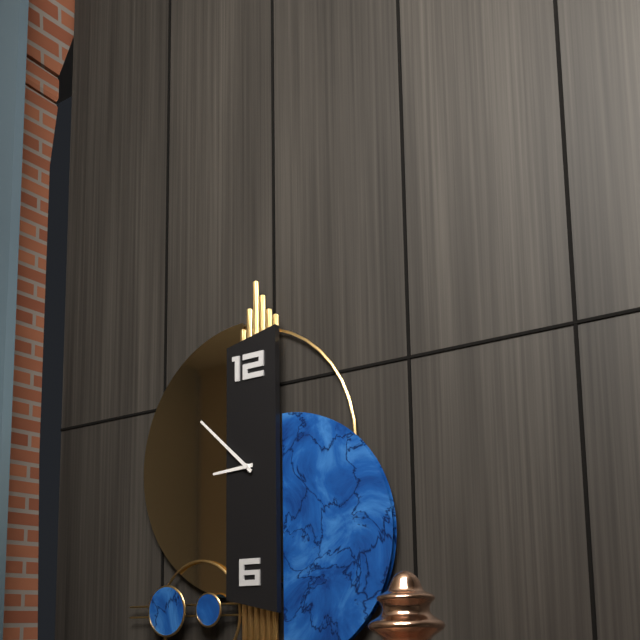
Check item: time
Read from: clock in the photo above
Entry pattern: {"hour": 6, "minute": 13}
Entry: {"hour": 8, "minute": 52}
